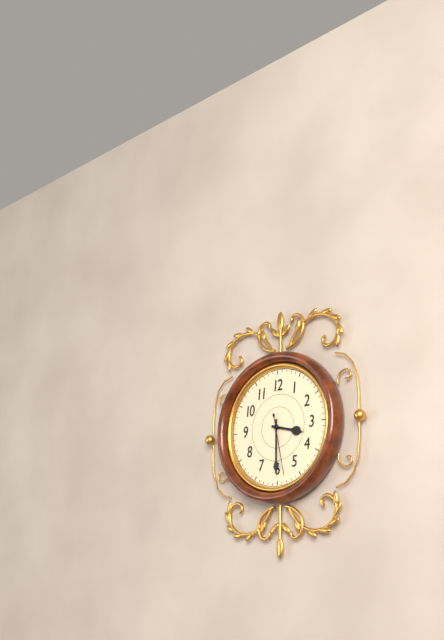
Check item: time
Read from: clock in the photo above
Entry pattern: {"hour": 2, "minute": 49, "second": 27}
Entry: {"hour": 3, "minute": 30, "second": 28}
